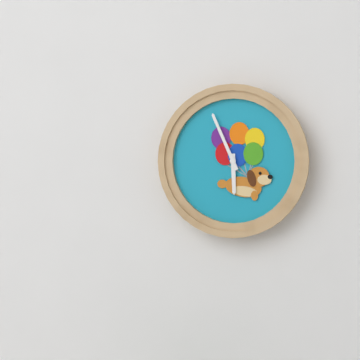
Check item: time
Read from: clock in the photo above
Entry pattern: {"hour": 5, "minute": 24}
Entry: {"hour": 5, "minute": 56}
